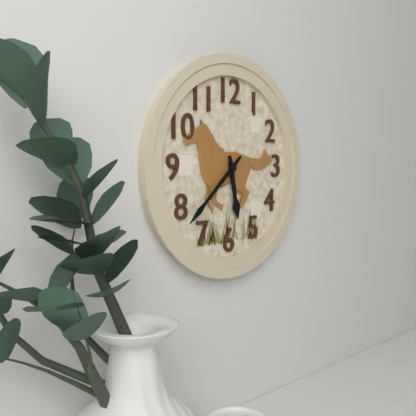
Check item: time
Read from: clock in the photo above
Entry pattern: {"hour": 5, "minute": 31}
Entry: {"hour": 5, "minute": 38}
